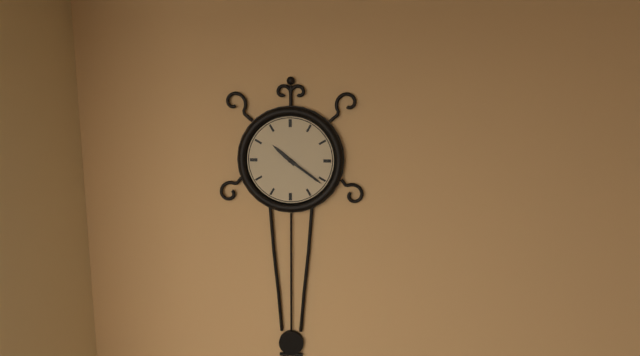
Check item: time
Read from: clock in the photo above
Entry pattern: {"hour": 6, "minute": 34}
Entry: {"hour": 10, "minute": 21}
